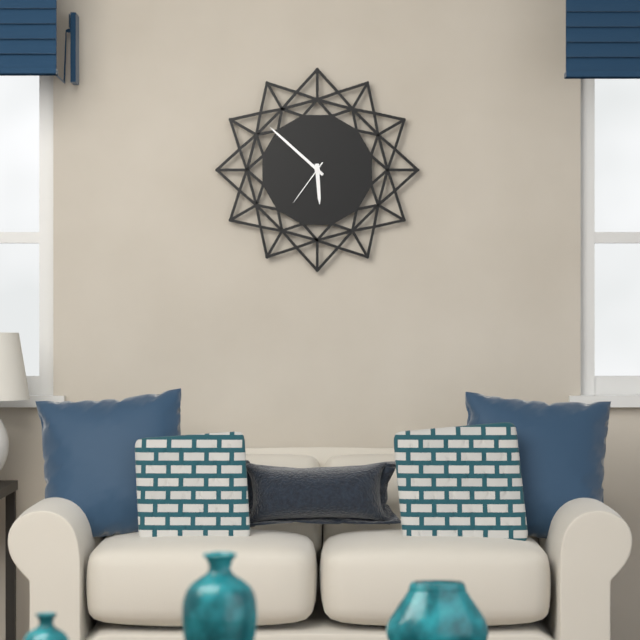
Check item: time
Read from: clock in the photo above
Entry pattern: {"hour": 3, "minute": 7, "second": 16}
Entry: {"hour": 5, "minute": 52, "second": 36}
